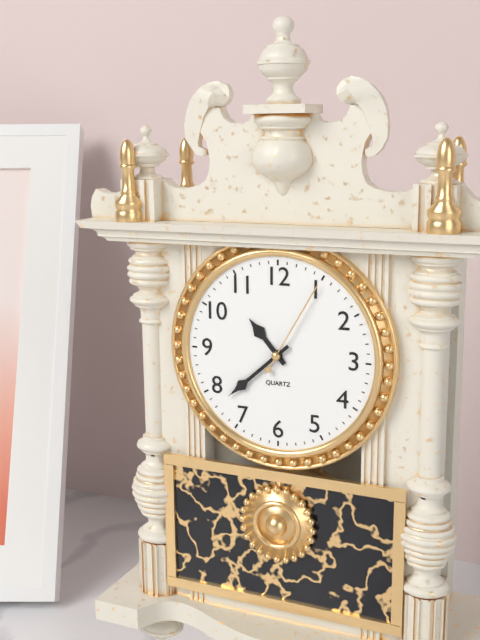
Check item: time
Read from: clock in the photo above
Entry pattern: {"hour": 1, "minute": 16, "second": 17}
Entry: {"hour": 10, "minute": 38, "second": 5}
